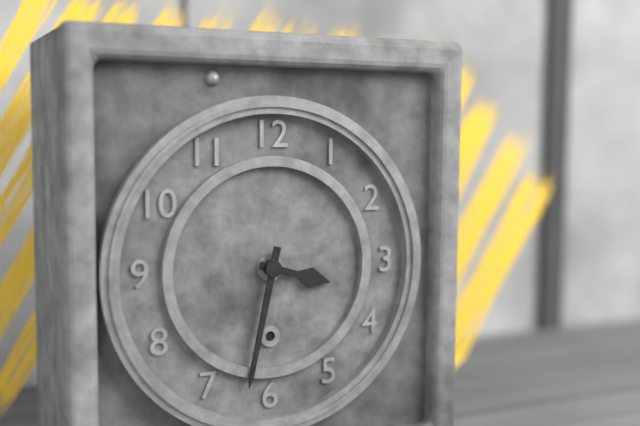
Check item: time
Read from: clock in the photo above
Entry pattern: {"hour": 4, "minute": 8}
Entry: {"hour": 3, "minute": 32}
